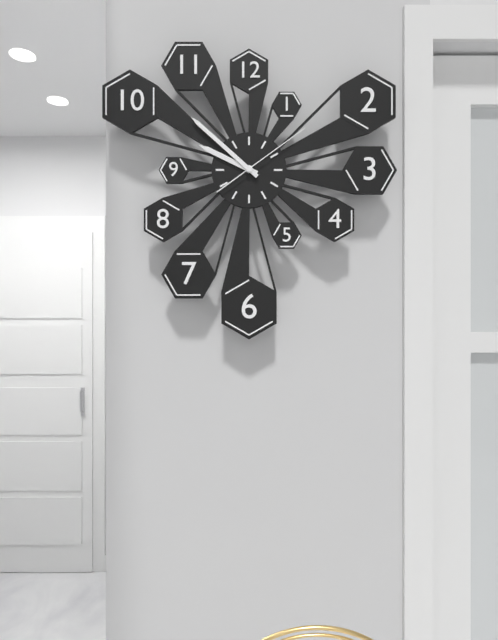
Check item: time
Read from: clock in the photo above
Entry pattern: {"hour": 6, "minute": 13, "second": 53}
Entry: {"hour": 9, "minute": 52, "second": 9}
